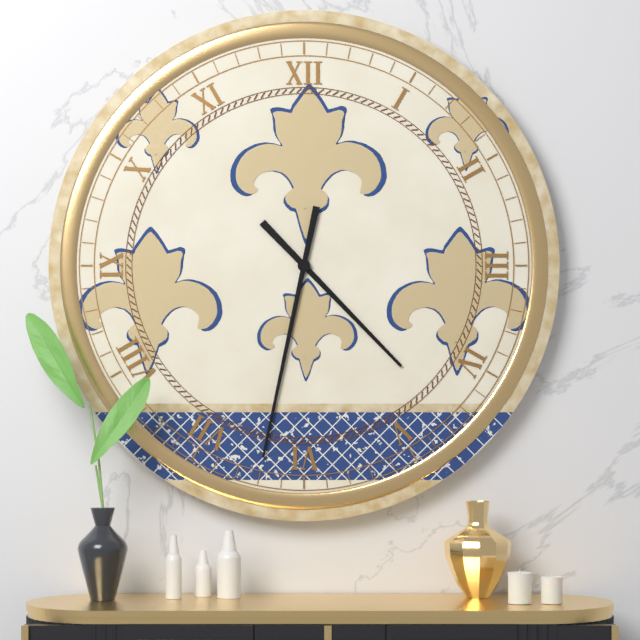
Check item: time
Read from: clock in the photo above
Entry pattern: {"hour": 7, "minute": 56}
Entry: {"hour": 4, "minute": 32}
